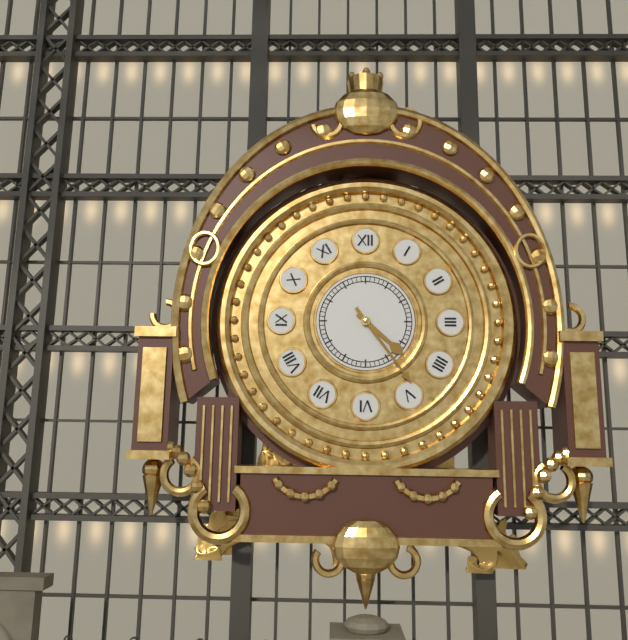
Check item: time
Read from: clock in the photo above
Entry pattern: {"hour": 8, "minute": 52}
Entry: {"hour": 4, "minute": 24}
